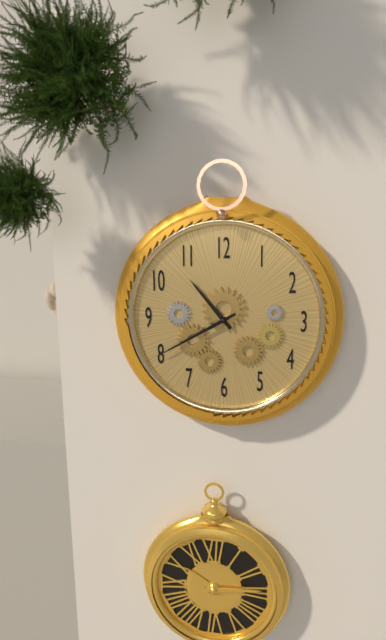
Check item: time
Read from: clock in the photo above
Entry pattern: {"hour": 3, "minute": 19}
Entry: {"hour": 10, "minute": 40}
